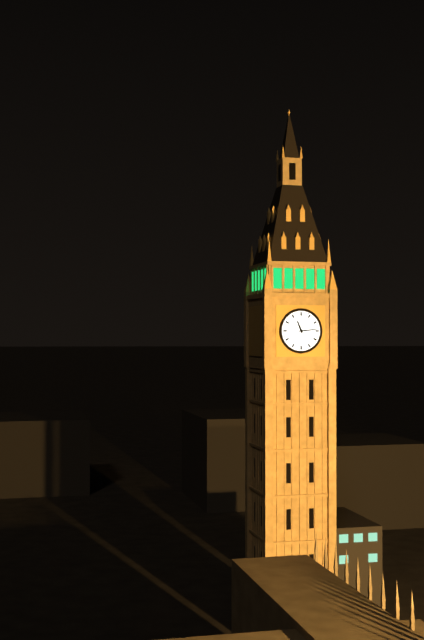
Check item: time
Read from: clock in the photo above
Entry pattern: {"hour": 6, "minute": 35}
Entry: {"hour": 11, "minute": 14}
